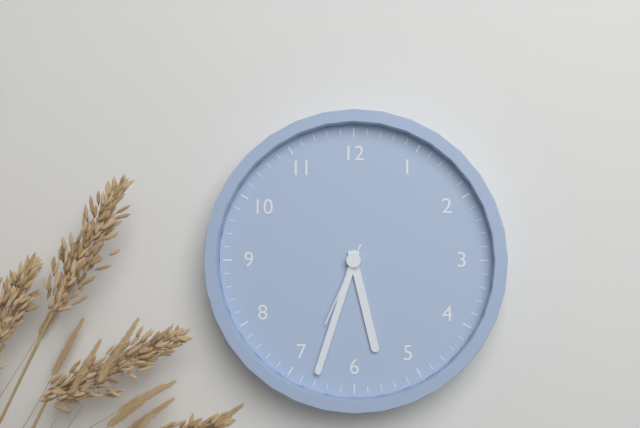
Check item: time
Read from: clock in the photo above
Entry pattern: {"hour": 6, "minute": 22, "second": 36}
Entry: {"hour": 5, "minute": 33, "second": 34}
